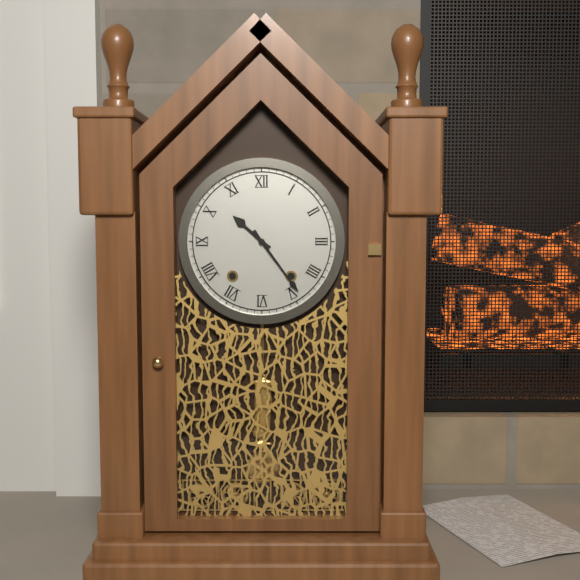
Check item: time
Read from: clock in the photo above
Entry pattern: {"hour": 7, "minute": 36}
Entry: {"hour": 10, "minute": 24}
